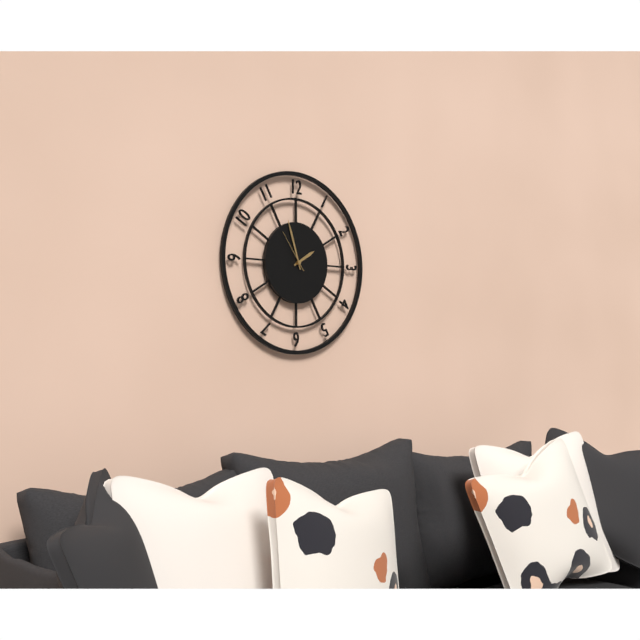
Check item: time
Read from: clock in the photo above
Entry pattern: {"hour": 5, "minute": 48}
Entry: {"hour": 1, "minute": 57}
